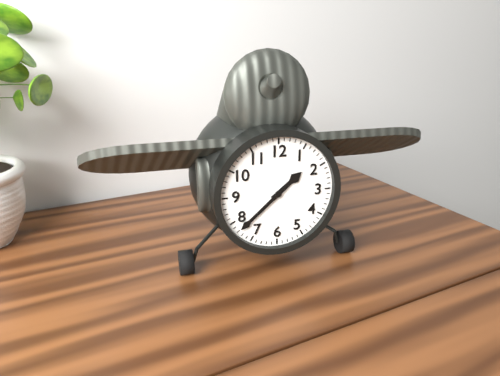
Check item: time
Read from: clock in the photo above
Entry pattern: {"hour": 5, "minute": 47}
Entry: {"hour": 1, "minute": 38}
